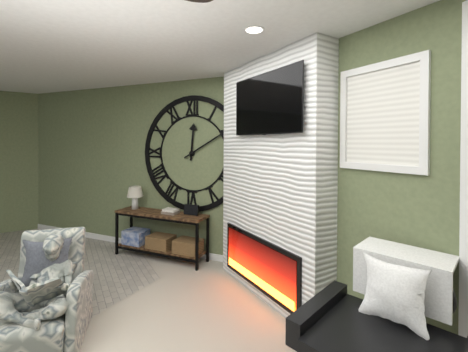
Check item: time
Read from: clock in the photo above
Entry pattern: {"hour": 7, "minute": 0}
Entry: {"hour": 12, "minute": 10}
